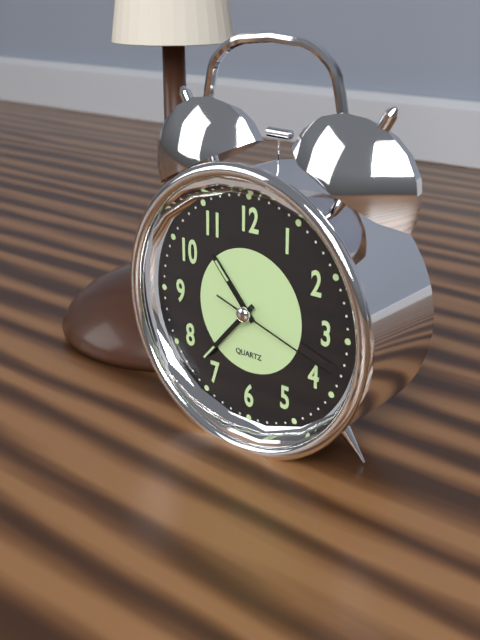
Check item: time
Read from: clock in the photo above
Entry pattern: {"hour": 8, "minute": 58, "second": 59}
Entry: {"hour": 10, "minute": 37, "second": 18}
